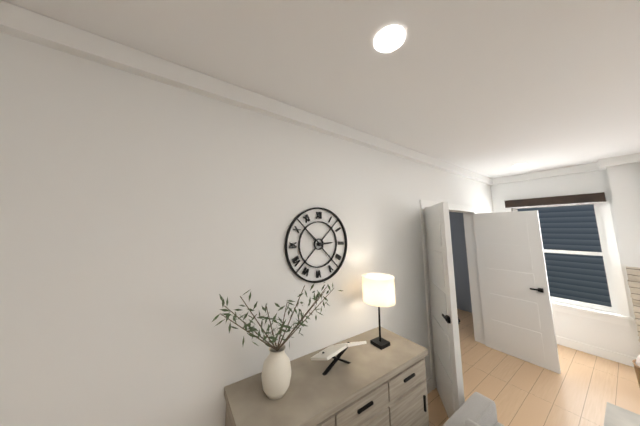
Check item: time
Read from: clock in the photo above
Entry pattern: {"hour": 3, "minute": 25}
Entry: {"hour": 2, "minute": 52}
